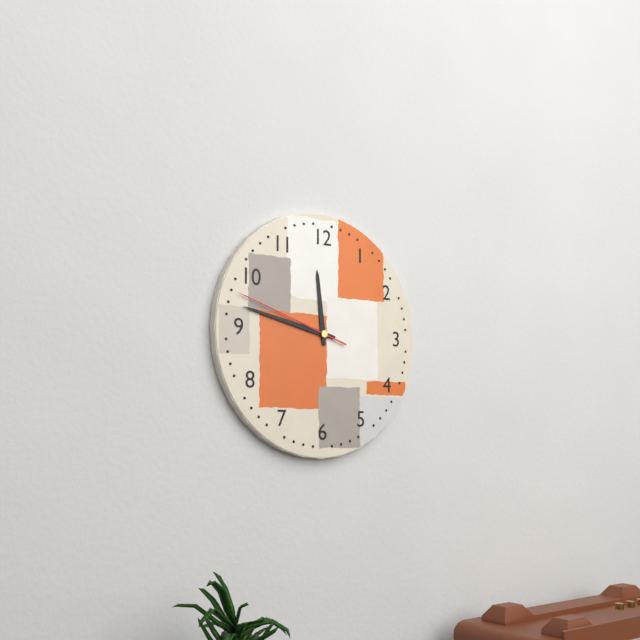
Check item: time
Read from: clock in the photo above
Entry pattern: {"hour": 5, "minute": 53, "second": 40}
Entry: {"hour": 11, "minute": 47, "second": 48}
